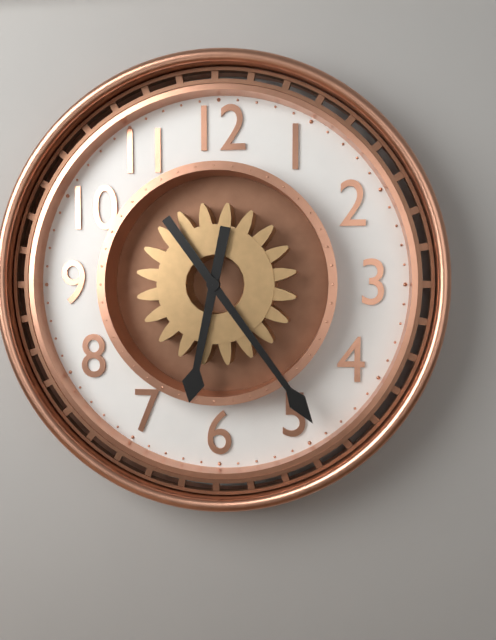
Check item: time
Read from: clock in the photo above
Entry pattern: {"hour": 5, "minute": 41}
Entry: {"hour": 6, "minute": 24}
